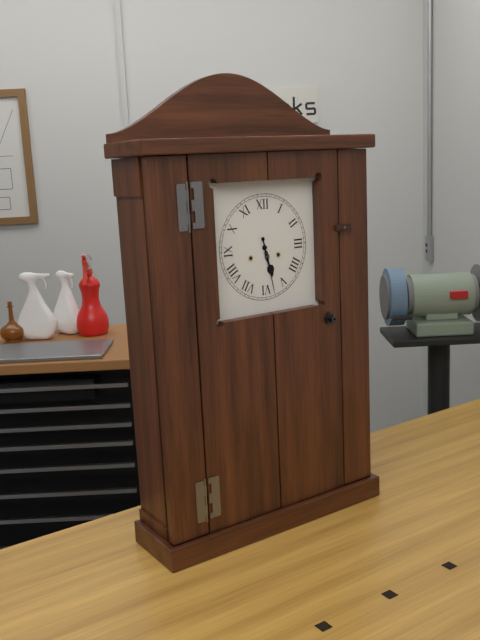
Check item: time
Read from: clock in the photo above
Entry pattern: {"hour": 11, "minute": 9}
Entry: {"hour": 5, "minute": 28}
